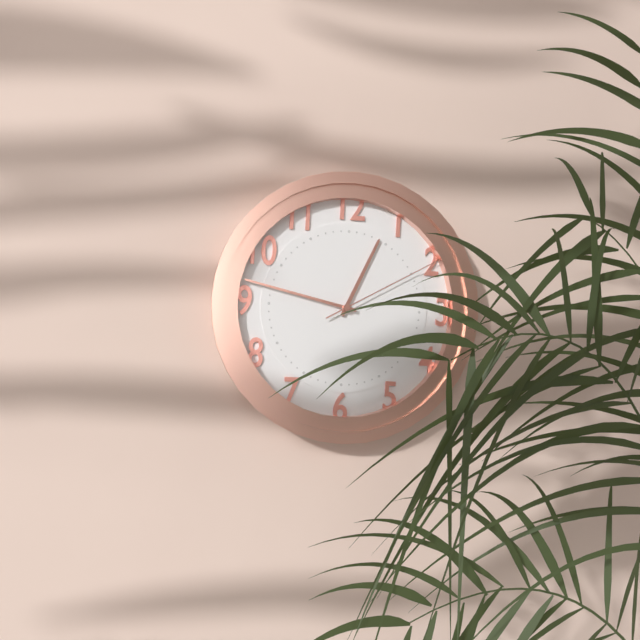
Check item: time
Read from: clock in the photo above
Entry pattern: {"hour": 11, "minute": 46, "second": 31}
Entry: {"hour": 12, "minute": 47, "second": 10}
